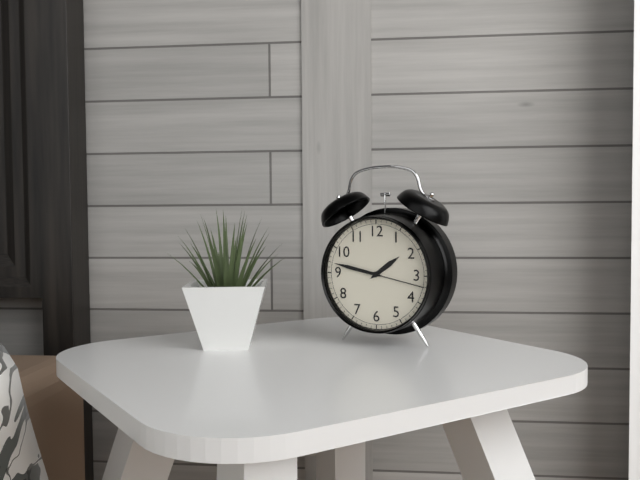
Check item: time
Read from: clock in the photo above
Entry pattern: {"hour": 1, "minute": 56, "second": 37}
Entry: {"hour": 1, "minute": 47, "second": 17}
